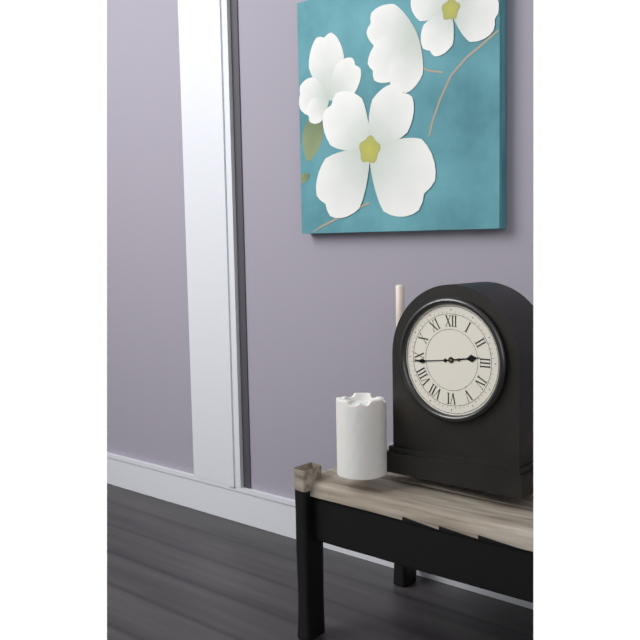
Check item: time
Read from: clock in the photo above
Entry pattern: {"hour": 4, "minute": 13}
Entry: {"hour": 2, "minute": 44}
